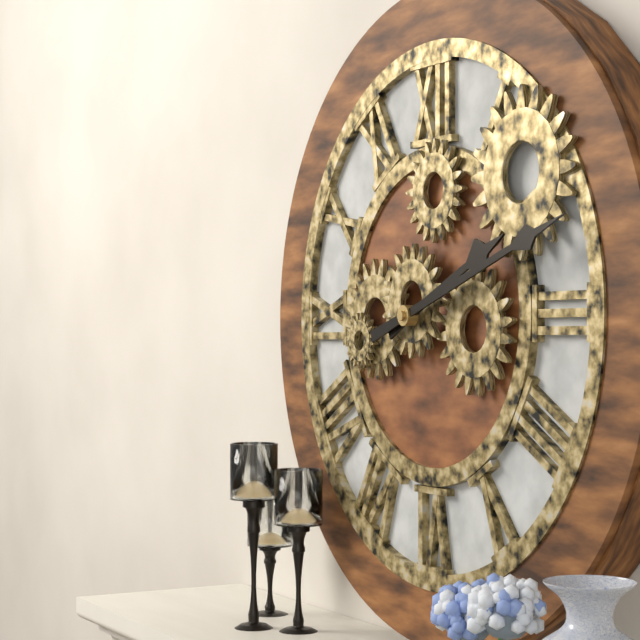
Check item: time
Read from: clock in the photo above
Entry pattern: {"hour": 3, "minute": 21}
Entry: {"hour": 2, "minute": 12}
